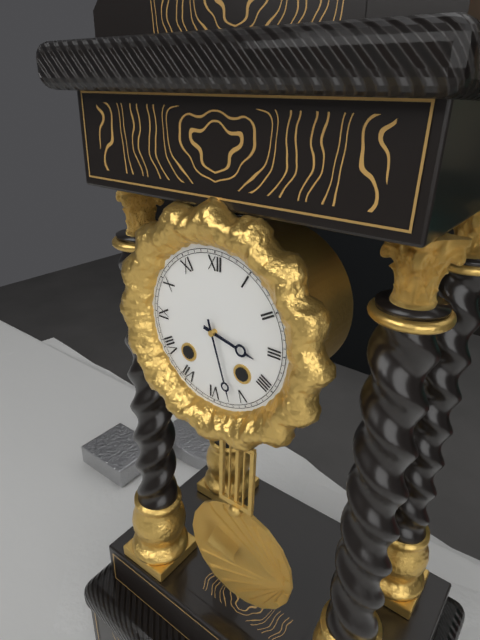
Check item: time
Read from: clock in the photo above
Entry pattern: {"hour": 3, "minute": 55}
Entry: {"hour": 3, "minute": 27}
